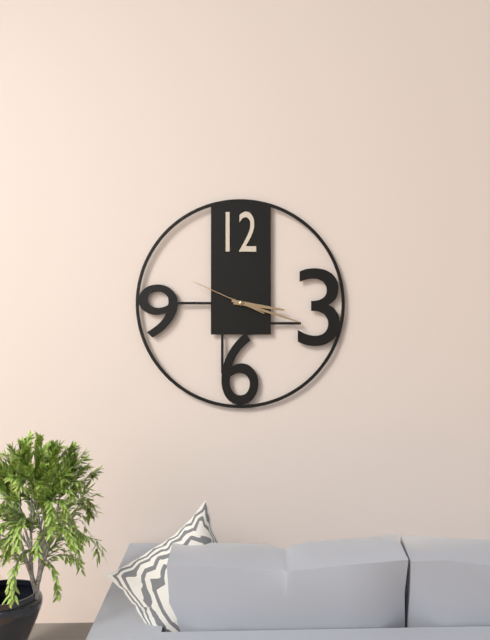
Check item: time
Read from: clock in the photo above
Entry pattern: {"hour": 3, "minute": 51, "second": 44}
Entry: {"hour": 3, "minute": 18, "second": 49}
